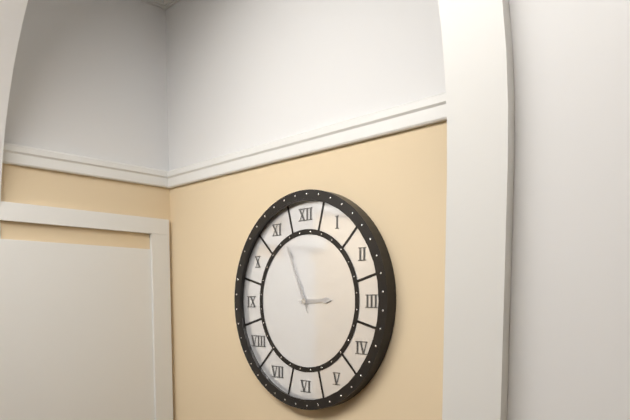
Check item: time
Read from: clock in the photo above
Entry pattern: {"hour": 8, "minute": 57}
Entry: {"hour": 2, "minute": 56}
